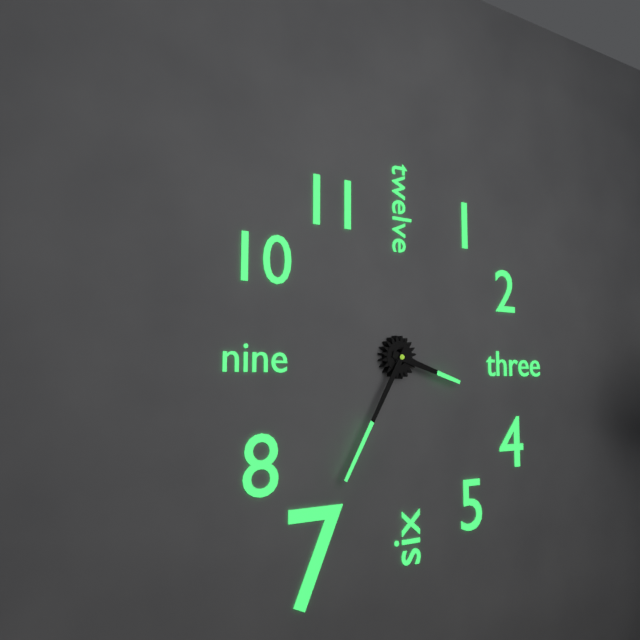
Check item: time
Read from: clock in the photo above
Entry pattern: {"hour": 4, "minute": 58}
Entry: {"hour": 3, "minute": 35}
